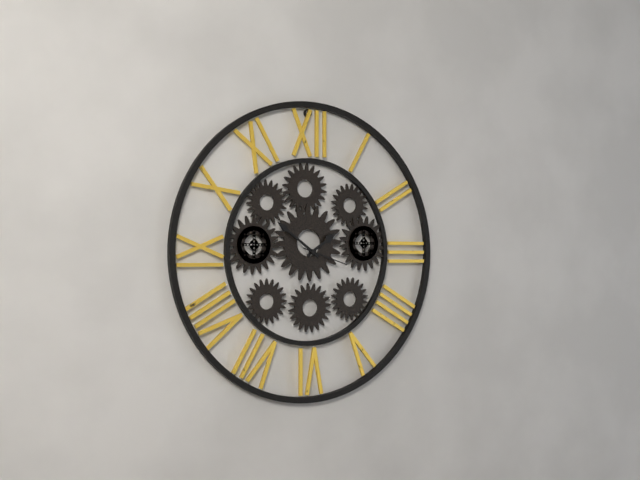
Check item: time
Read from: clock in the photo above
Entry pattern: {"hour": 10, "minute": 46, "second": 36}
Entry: {"hour": 1, "minute": 51, "second": 18}
